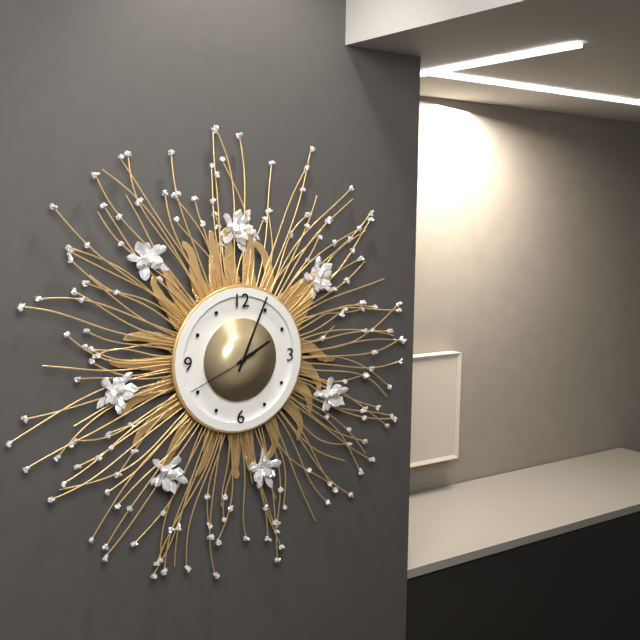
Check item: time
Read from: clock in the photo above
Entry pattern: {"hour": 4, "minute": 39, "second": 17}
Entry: {"hour": 2, "minute": 4, "second": 41}
